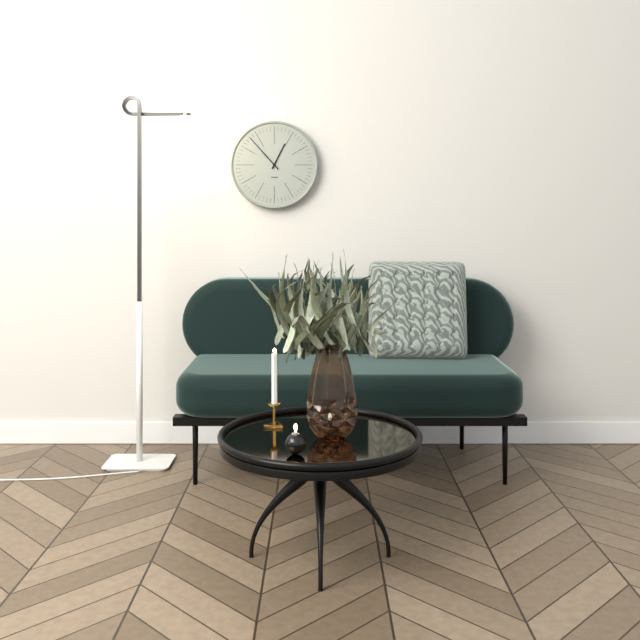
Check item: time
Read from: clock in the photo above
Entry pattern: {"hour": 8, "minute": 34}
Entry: {"hour": 12, "minute": 53}
